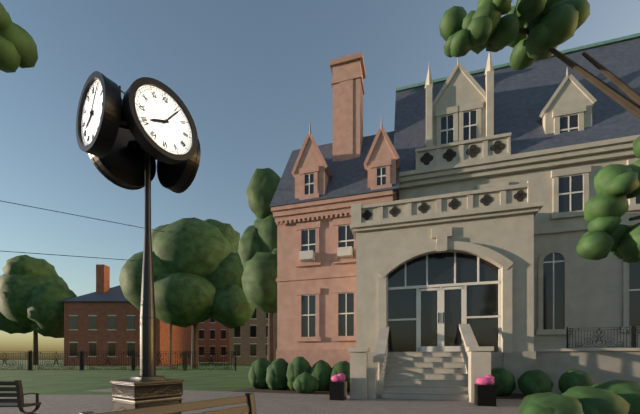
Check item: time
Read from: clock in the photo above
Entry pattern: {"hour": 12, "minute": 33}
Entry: {"hour": 8, "minute": 6}
